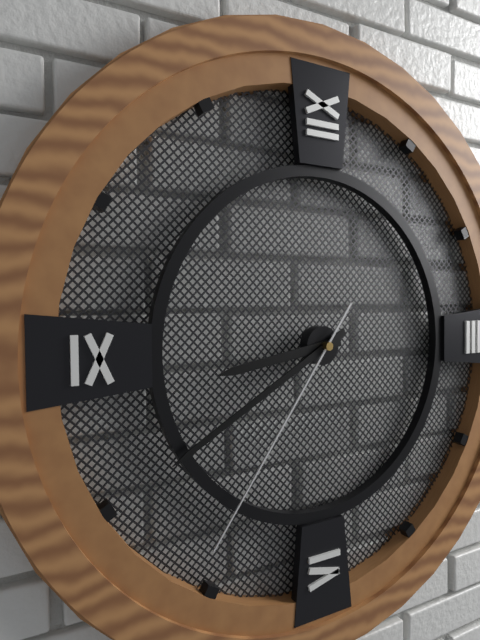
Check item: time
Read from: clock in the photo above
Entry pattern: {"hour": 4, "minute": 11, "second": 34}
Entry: {"hour": 8, "minute": 40, "second": 36}
